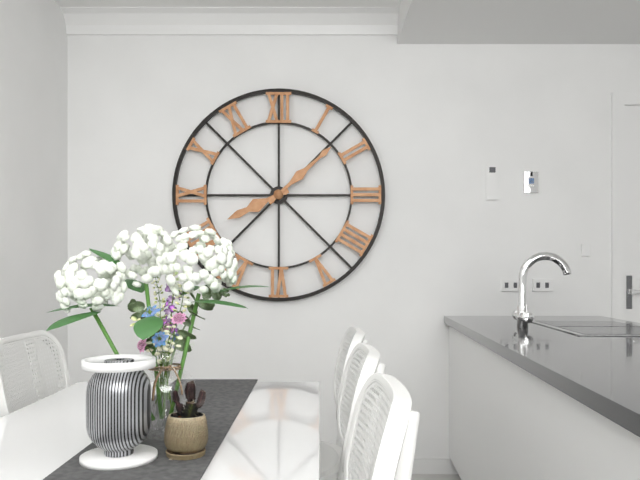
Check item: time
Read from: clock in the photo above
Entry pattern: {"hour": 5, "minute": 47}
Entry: {"hour": 8, "minute": 8}
